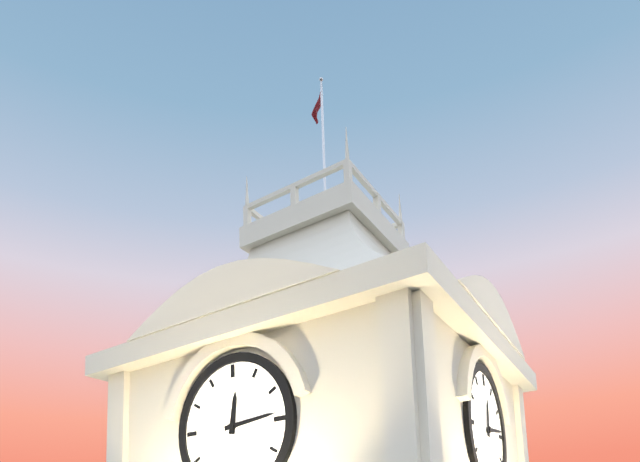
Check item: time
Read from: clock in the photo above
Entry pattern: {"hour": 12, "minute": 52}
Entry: {"hour": 12, "minute": 14}
